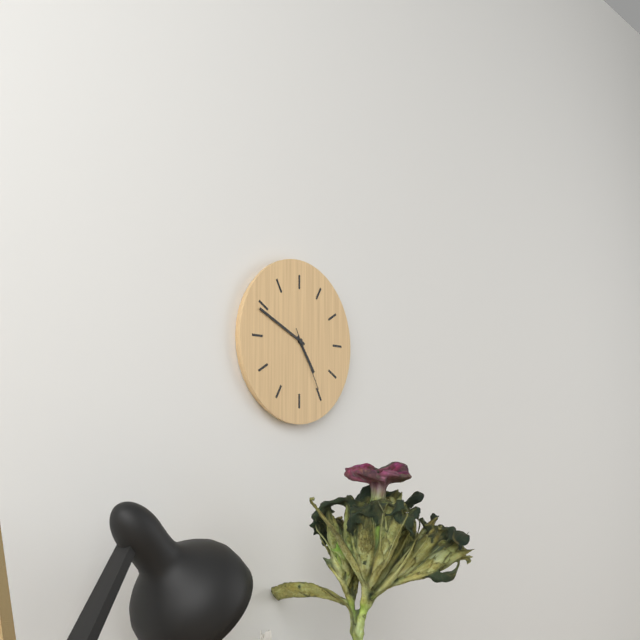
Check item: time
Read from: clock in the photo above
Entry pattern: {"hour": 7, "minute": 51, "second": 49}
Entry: {"hour": 4, "minute": 49, "second": 25}
